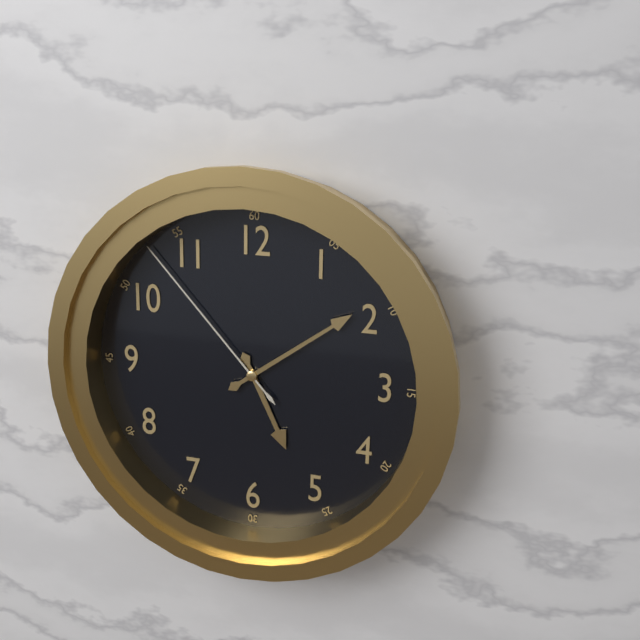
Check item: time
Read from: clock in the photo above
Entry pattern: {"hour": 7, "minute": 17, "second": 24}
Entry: {"hour": 5, "minute": 9, "second": 53}
